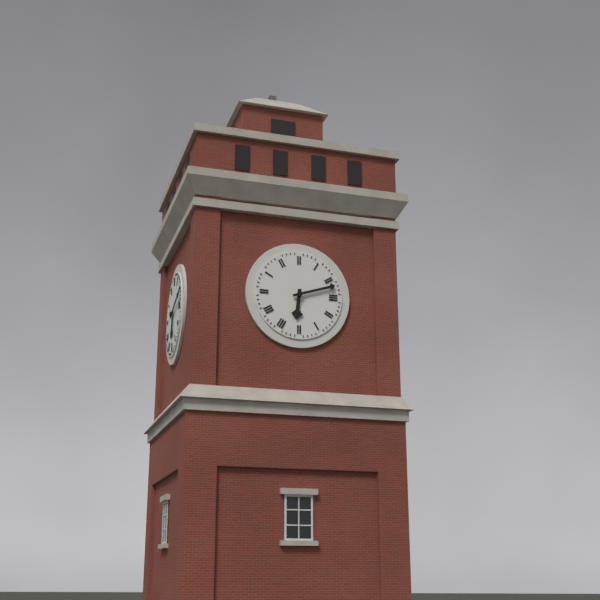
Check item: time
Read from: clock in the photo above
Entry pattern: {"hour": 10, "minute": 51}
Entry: {"hour": 6, "minute": 12}
